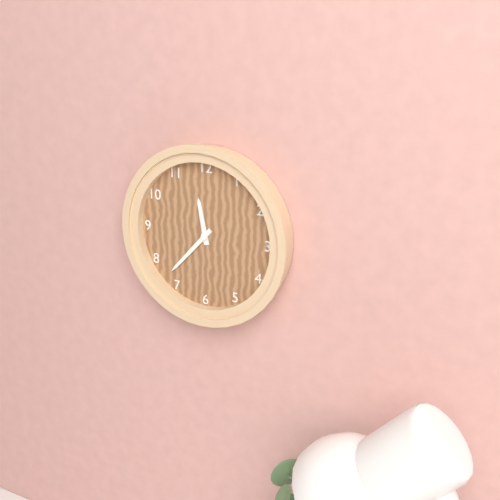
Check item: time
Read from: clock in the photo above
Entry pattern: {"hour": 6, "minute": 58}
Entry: {"hour": 11, "minute": 37}
